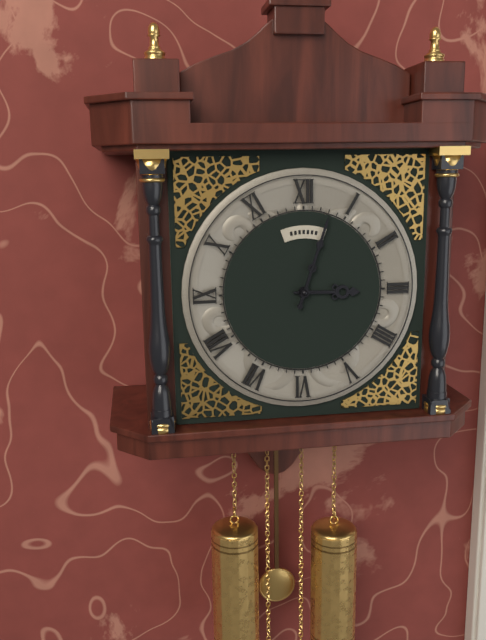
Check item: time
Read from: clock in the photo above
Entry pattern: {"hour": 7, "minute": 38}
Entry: {"hour": 3, "minute": 3}
